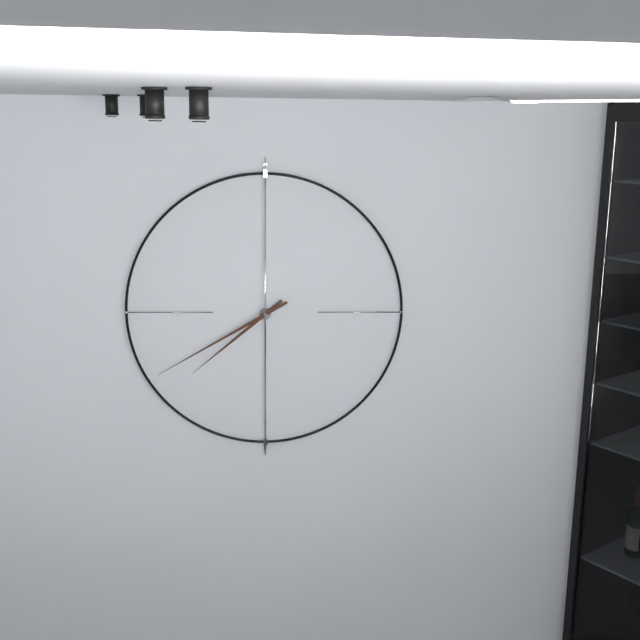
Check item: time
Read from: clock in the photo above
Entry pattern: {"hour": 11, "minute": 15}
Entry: {"hour": 7, "minute": 40}
